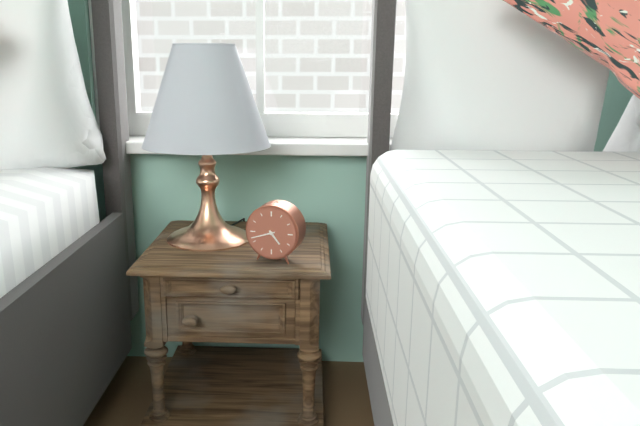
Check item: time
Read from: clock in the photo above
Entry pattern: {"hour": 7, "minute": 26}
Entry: {"hour": 4, "minute": 42}
